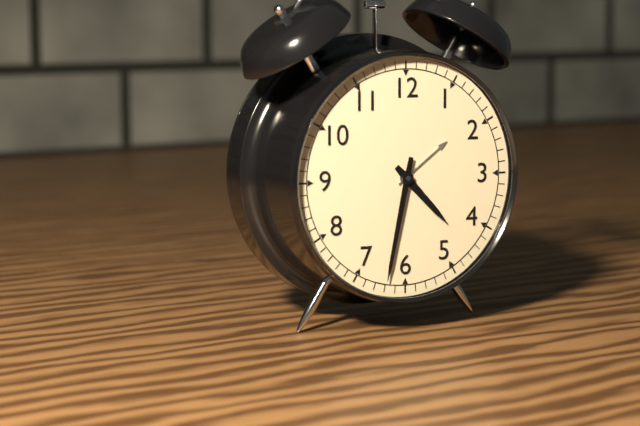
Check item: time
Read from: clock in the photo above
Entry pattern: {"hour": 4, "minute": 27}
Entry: {"hour": 4, "minute": 32}
